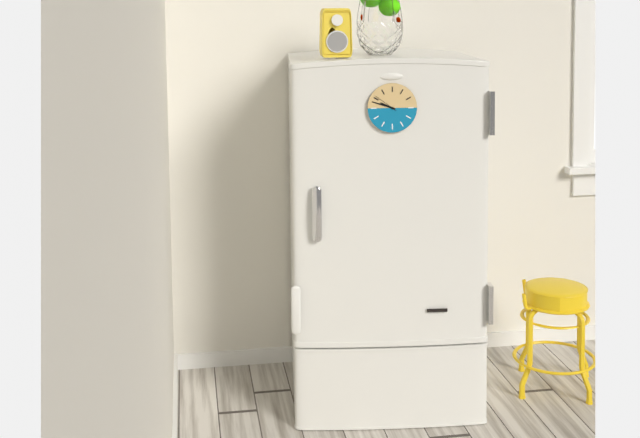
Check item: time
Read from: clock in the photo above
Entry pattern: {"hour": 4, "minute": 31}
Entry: {"hour": 9, "minute": 48}
